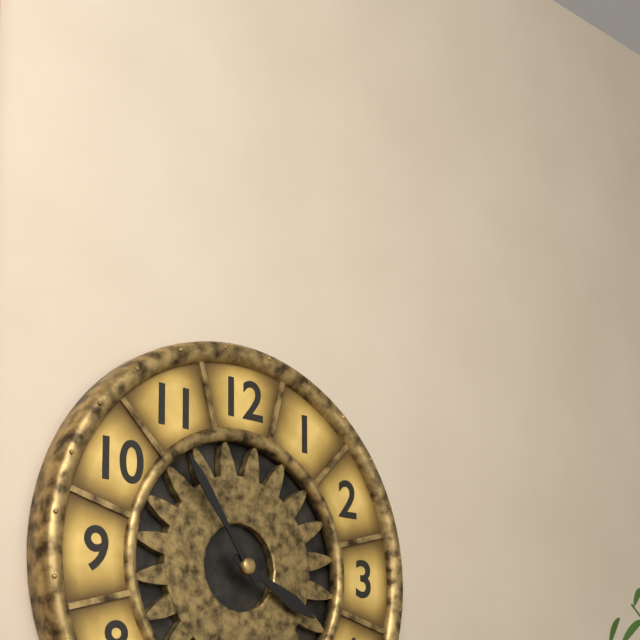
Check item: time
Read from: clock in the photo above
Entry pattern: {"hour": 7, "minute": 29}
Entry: {"hour": 3, "minute": 54}
